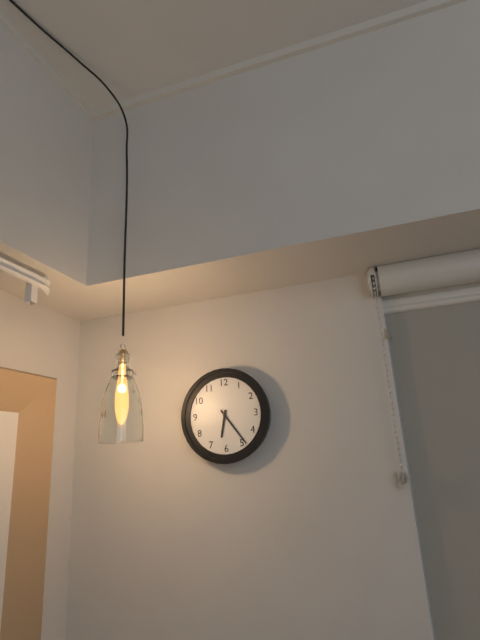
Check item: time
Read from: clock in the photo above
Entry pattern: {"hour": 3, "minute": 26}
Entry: {"hour": 6, "minute": 24}
